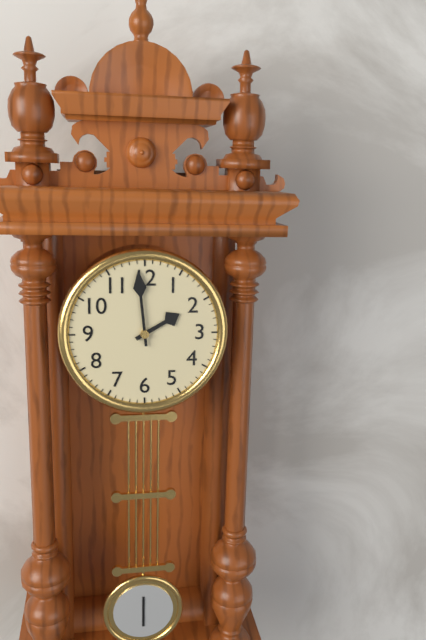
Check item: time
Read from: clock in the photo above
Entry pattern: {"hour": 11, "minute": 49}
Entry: {"hour": 1, "minute": 59}
